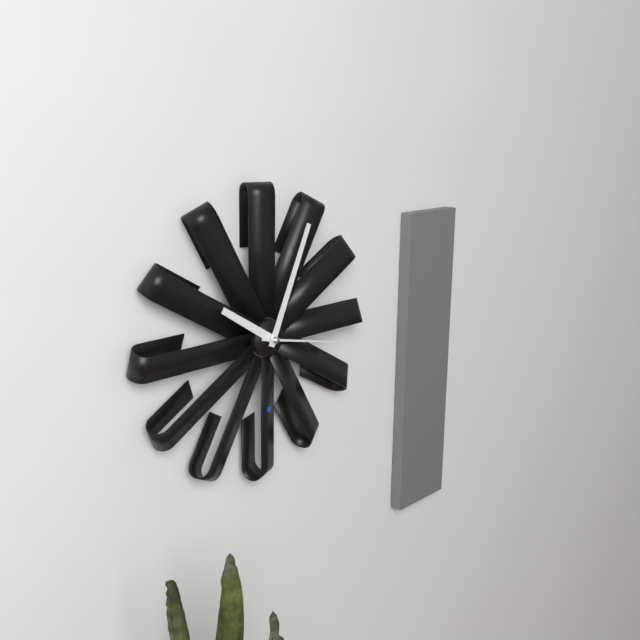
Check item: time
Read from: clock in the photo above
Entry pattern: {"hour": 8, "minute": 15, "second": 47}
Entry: {"hour": 10, "minute": 4, "second": 17}
